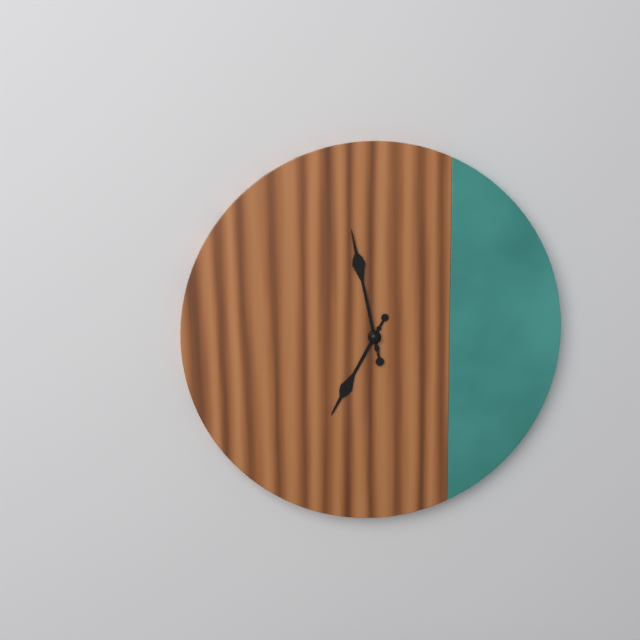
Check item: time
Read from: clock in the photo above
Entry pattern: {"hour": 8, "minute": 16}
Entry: {"hour": 6, "minute": 58}
